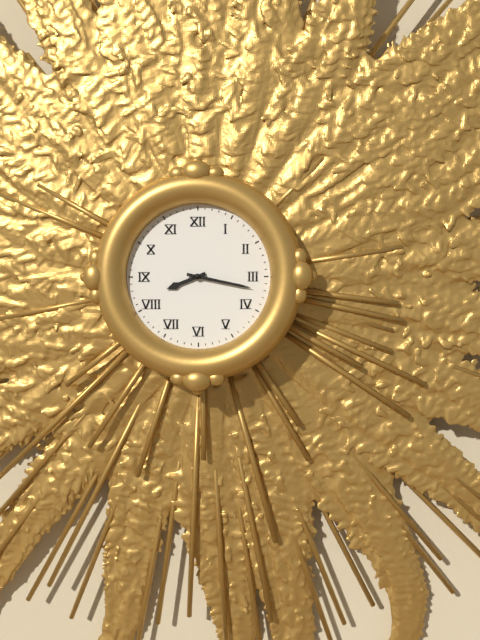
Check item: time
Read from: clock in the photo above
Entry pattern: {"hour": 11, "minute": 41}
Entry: {"hour": 8, "minute": 17}
